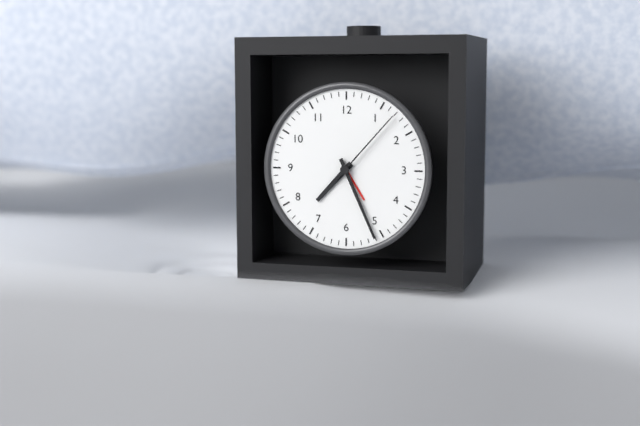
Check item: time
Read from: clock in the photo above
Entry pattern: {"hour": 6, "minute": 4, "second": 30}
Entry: {"hour": 7, "minute": 26, "second": 7}
